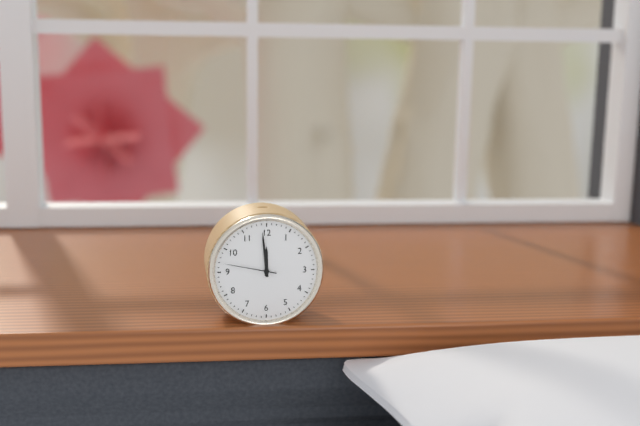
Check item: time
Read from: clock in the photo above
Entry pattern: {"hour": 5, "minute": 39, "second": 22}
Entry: {"hour": 11, "minute": 59, "second": 47}
